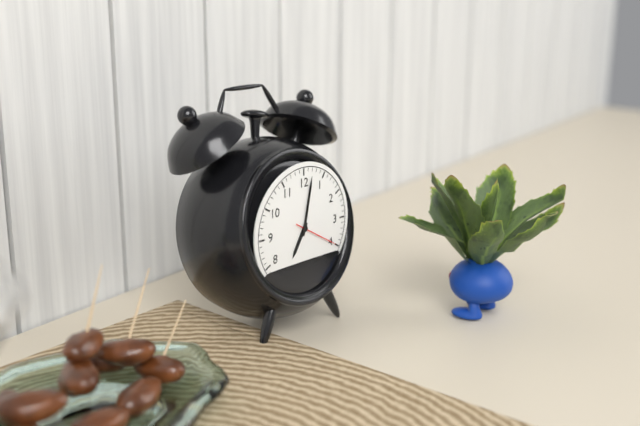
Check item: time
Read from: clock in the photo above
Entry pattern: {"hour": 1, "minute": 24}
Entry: {"hour": 7, "minute": 2}
